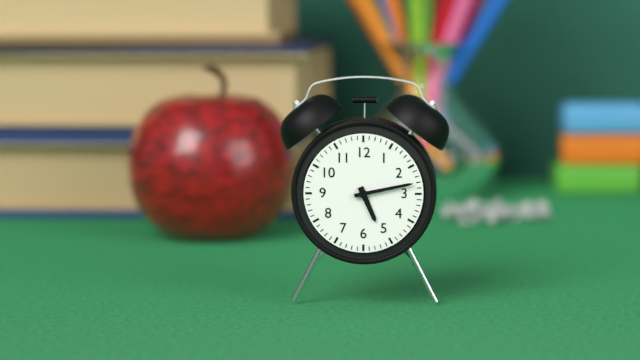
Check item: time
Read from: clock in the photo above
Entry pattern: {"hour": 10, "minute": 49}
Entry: {"hour": 5, "minute": 13}
